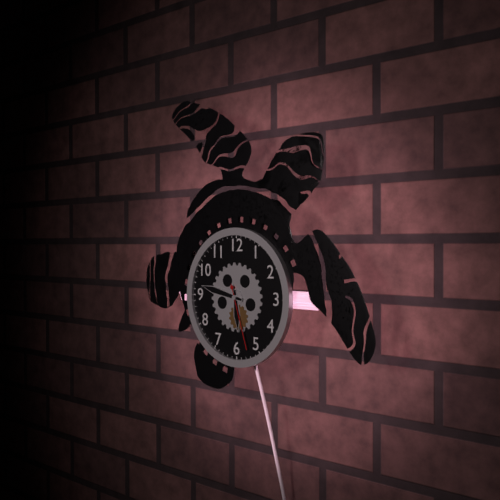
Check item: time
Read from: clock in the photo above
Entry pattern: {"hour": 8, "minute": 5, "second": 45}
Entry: {"hour": 5, "minute": 47, "second": 27}
